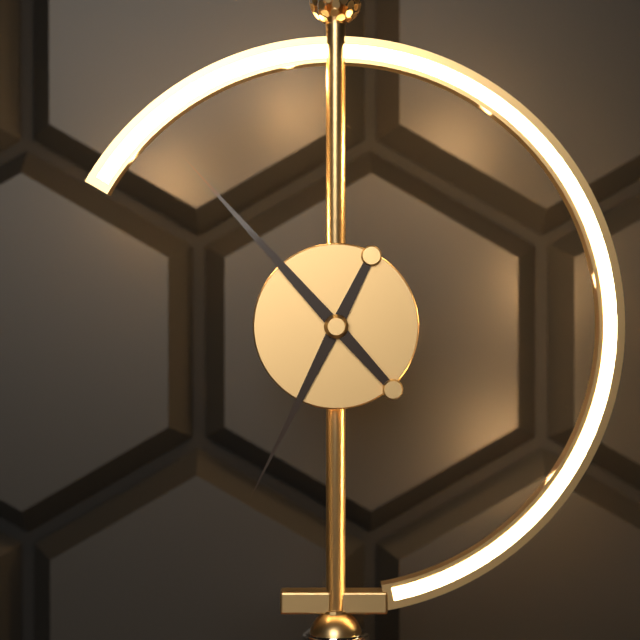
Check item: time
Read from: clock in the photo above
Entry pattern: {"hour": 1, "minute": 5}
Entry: {"hour": 6, "minute": 53}
